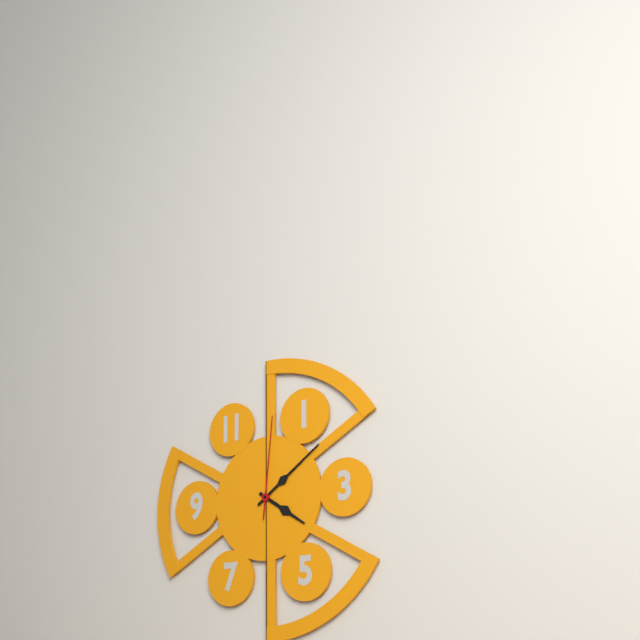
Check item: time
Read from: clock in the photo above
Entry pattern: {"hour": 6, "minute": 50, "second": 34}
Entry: {"hour": 4, "minute": 9, "second": 1}
